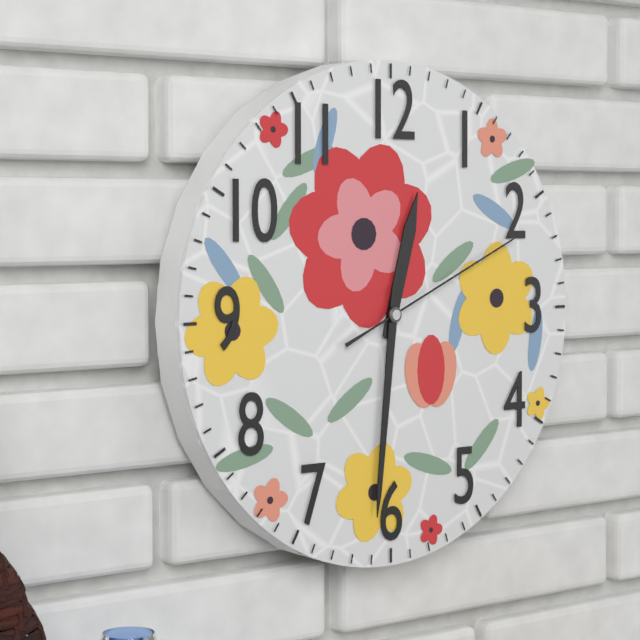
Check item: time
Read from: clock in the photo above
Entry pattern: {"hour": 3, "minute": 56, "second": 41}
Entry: {"hour": 12, "minute": 31, "second": 11}
